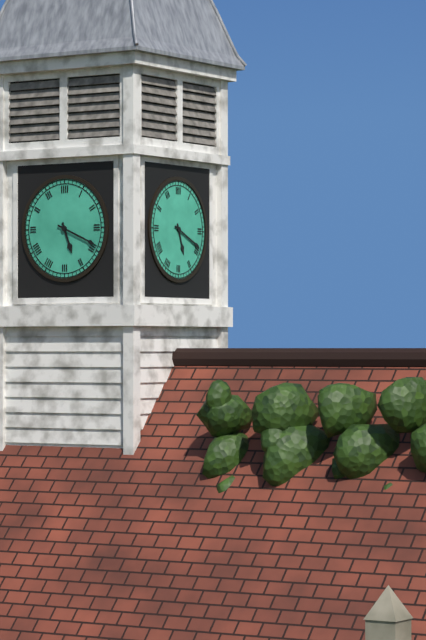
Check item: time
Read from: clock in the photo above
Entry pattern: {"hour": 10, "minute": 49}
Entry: {"hour": 5, "minute": 19}
